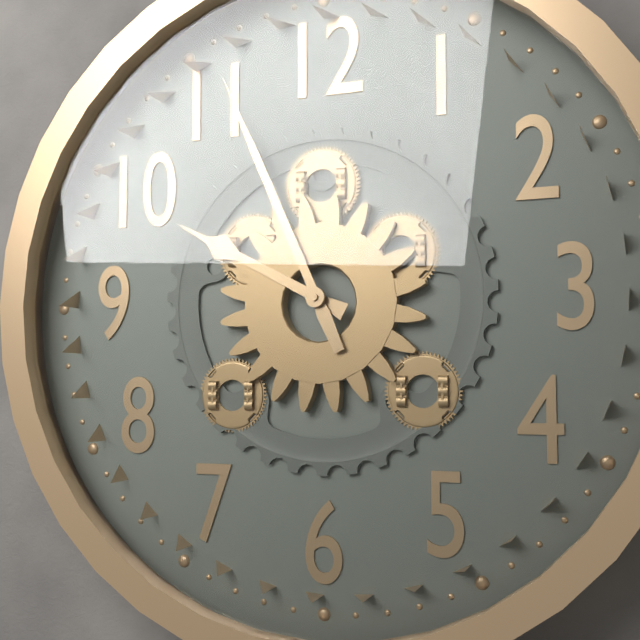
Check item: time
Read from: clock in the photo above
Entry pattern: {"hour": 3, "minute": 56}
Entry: {"hour": 9, "minute": 56}
